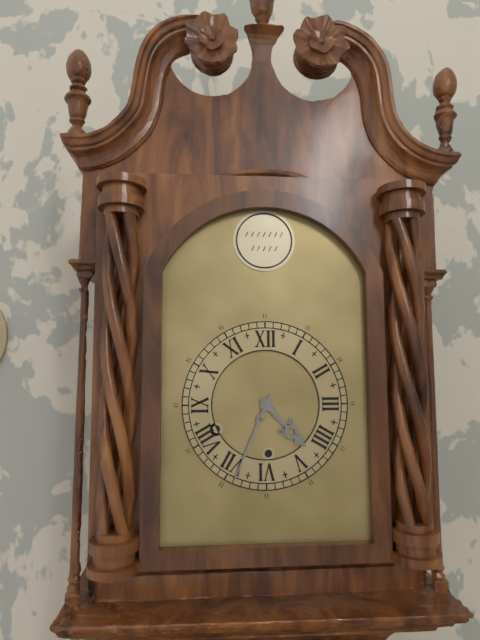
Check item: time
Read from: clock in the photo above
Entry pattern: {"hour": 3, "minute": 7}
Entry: {"hour": 4, "minute": 34}
